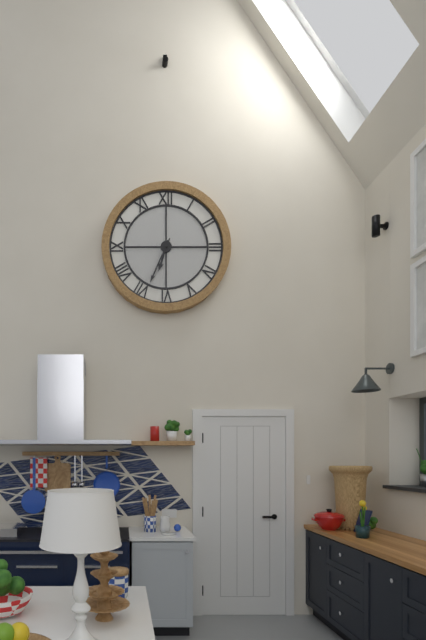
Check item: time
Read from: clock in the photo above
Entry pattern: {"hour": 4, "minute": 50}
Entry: {"hour": 6, "minute": 34}
